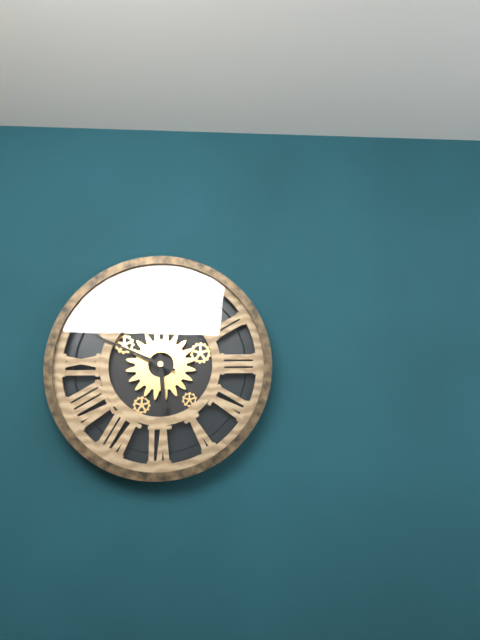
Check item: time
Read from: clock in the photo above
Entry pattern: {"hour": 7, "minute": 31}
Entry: {"hour": 5, "minute": 49}
